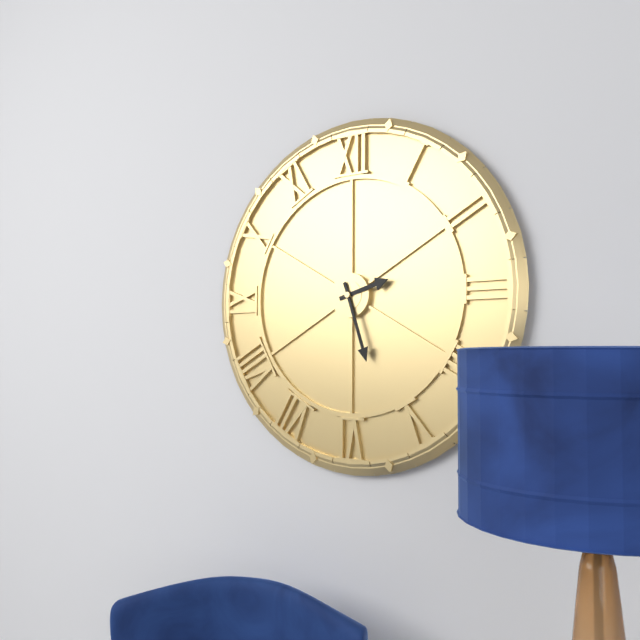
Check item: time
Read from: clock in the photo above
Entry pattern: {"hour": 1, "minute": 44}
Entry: {"hour": 2, "minute": 27}
